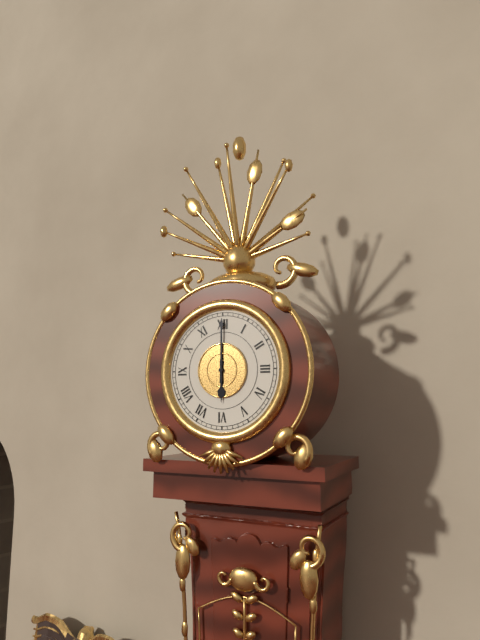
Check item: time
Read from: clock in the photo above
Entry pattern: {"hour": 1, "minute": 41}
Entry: {"hour": 6, "minute": 0}
